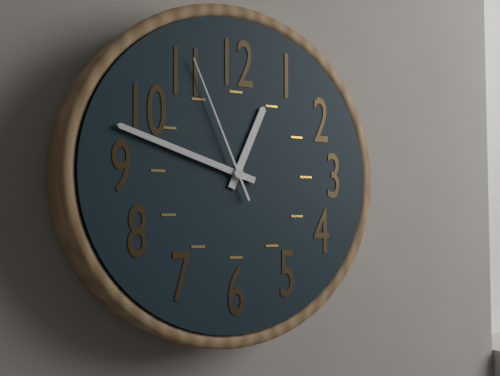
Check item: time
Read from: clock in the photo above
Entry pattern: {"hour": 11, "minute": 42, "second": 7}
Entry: {"hour": 12, "minute": 48, "second": 56}
